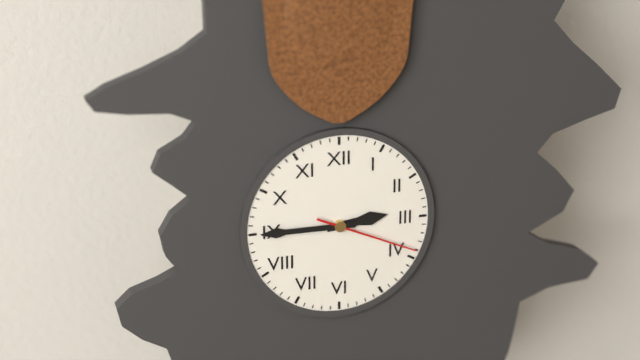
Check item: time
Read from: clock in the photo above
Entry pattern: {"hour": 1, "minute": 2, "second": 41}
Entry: {"hour": 2, "minute": 45, "second": 19}
